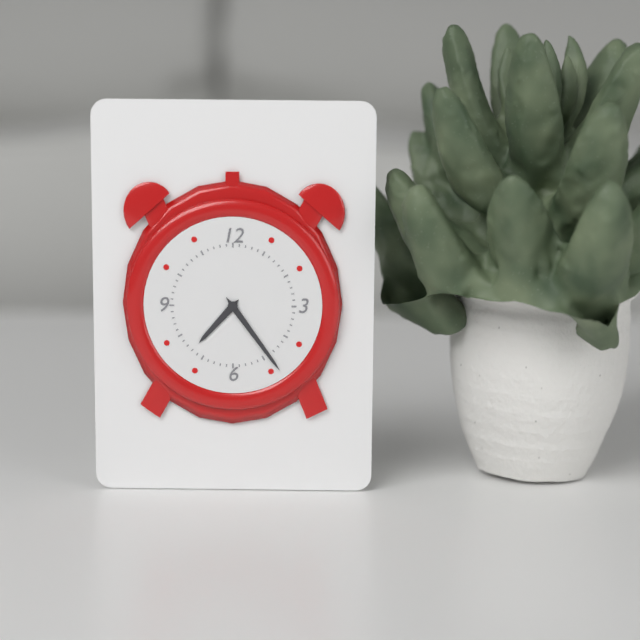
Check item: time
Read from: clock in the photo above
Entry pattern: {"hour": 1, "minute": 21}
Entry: {"hour": 7, "minute": 24}
